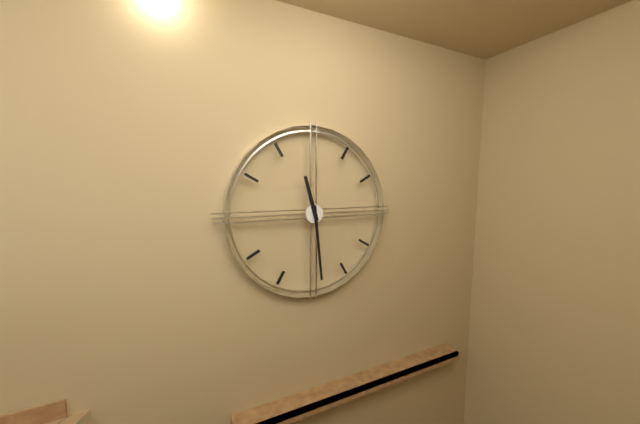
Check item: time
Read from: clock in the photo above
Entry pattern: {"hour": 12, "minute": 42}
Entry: {"hour": 11, "minute": 29}
